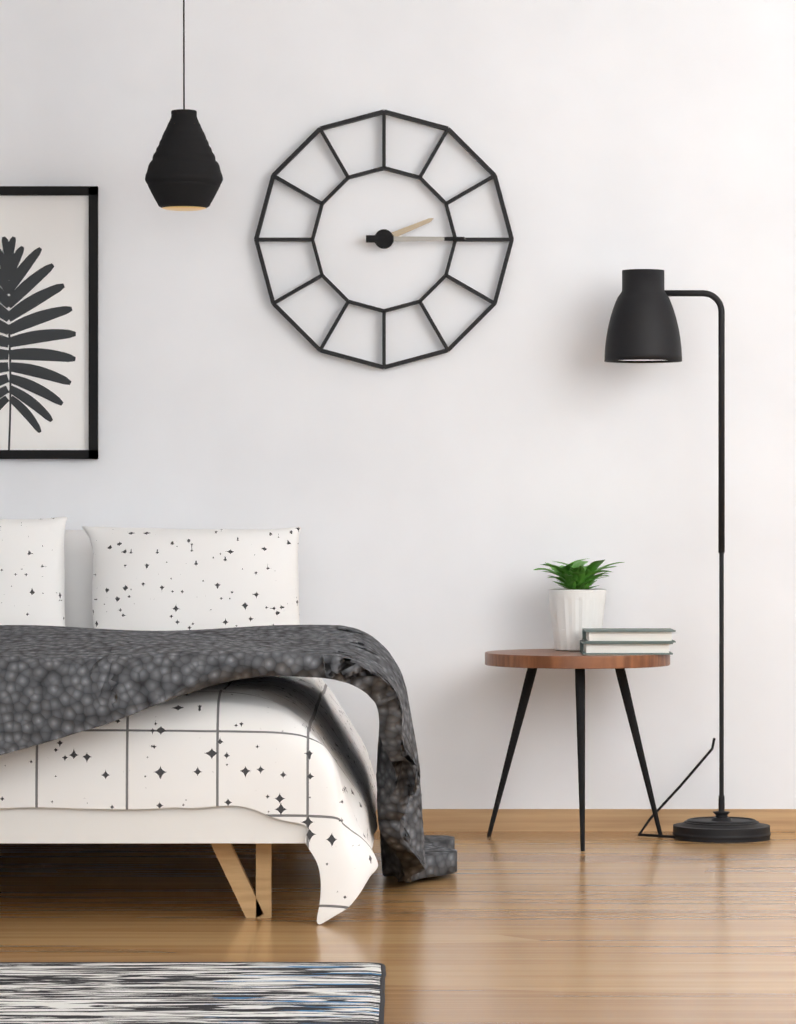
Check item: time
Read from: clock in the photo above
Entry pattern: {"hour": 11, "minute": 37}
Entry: {"hour": 2, "minute": 15}
